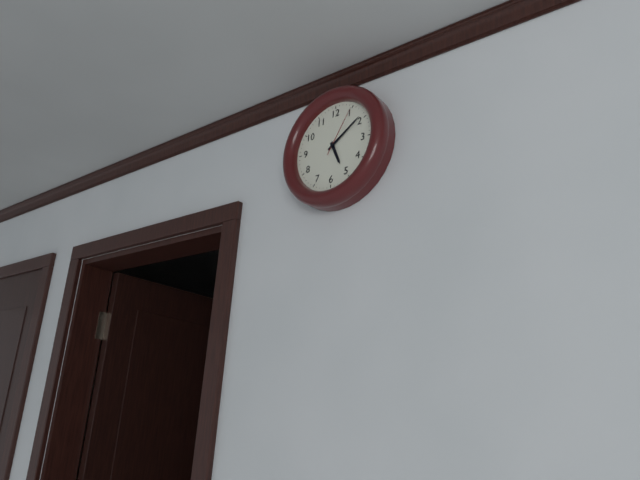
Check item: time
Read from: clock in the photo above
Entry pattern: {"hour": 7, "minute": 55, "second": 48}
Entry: {"hour": 5, "minute": 9, "second": 5}
